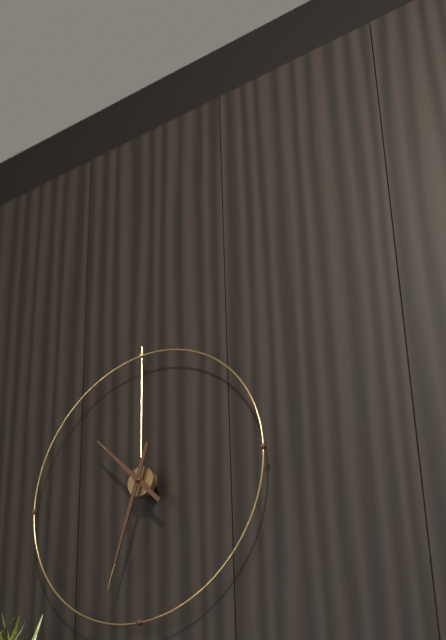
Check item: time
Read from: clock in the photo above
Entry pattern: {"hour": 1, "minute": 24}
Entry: {"hour": 10, "minute": 33}
